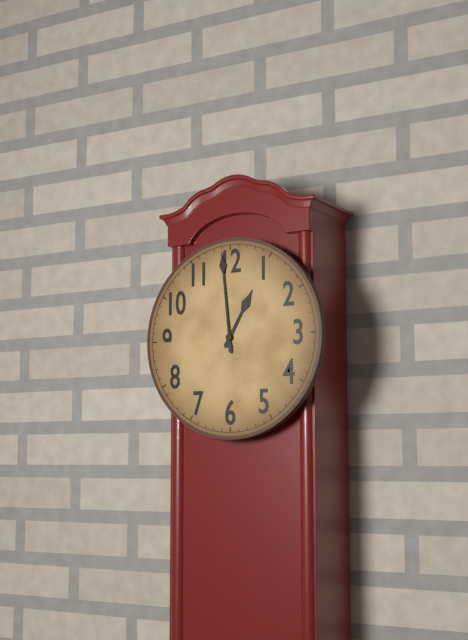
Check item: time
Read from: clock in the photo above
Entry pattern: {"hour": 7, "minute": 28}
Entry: {"hour": 12, "minute": 59}
